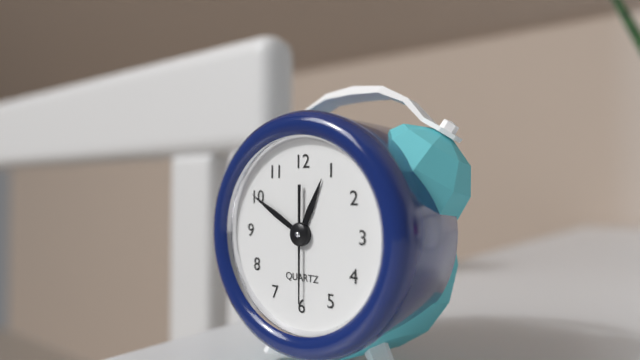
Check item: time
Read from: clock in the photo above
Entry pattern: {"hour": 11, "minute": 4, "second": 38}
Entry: {"hour": 12, "minute": 50, "second": 30}
